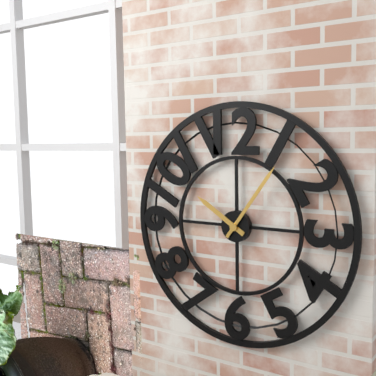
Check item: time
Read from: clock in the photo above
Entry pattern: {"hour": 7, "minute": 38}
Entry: {"hour": 10, "minute": 6}
